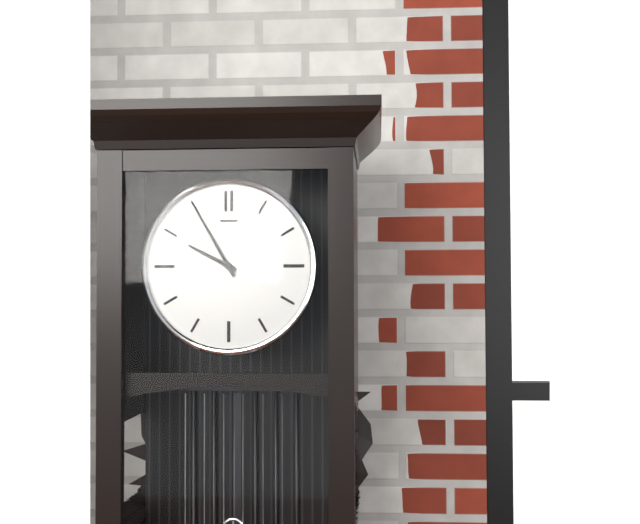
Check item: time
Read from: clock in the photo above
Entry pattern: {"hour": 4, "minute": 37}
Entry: {"hour": 9, "minute": 55}
